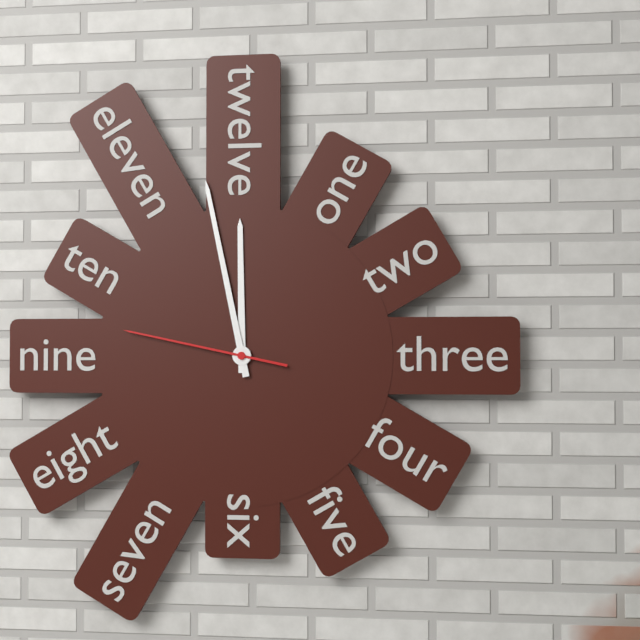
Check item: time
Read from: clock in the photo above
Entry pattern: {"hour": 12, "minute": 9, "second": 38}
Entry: {"hour": 11, "minute": 58, "second": 47}
